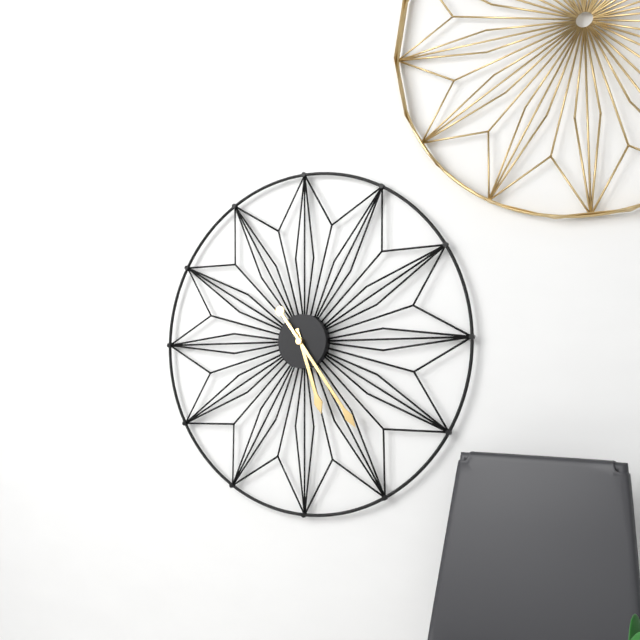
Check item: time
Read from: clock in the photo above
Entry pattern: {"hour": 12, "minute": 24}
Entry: {"hour": 5, "minute": 24}
